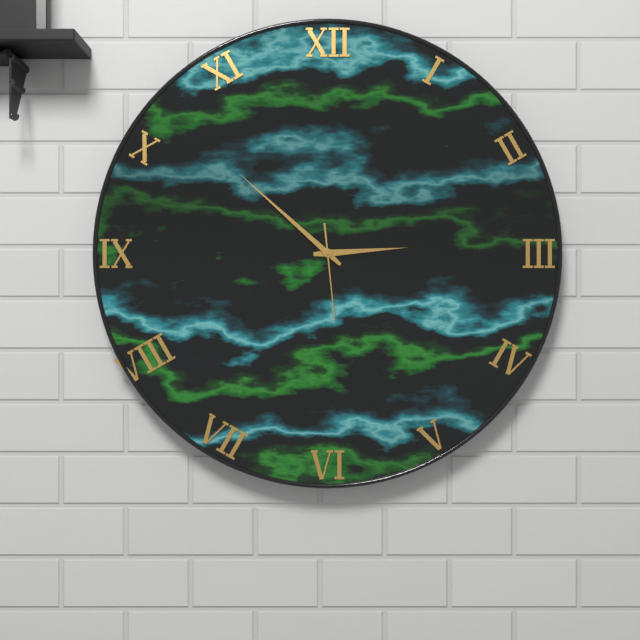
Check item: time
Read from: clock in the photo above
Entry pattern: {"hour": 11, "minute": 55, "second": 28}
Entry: {"hour": 2, "minute": 52, "second": 29}
